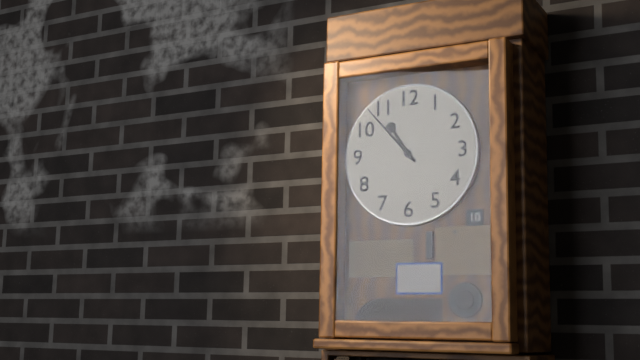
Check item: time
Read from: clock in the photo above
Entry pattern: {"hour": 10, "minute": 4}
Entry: {"hour": 10, "minute": 53}
